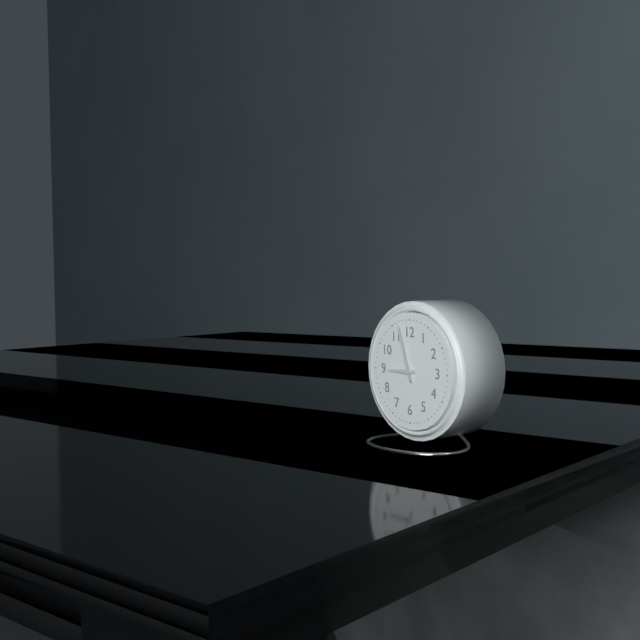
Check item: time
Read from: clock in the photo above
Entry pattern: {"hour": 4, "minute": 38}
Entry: {"hour": 8, "minute": 57}
